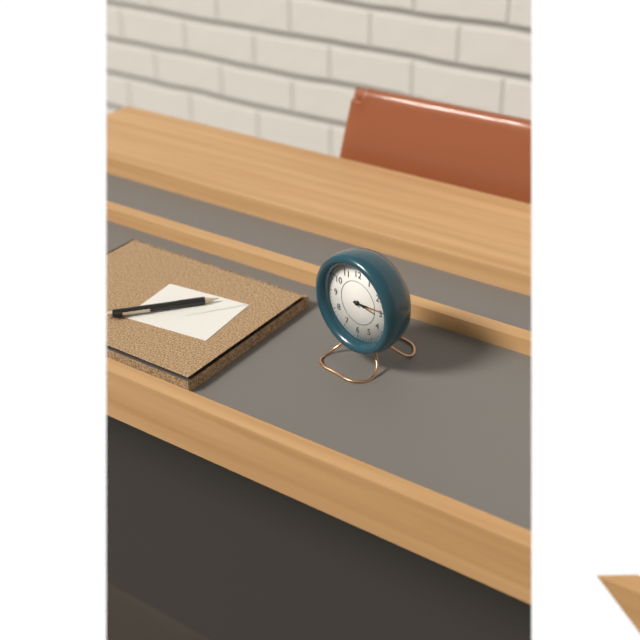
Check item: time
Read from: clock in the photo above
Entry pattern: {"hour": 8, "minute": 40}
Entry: {"hour": 3, "minute": 14}
